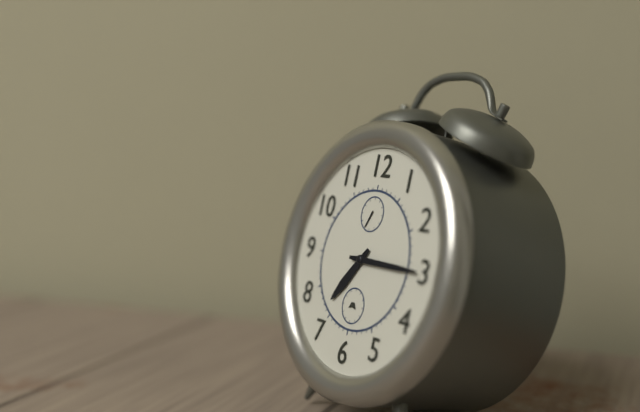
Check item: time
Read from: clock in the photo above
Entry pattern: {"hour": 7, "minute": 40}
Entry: {"hour": 7, "minute": 15}
